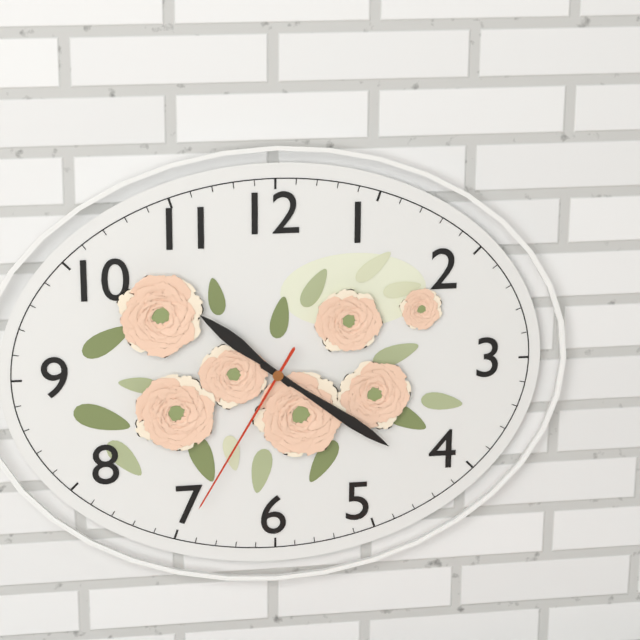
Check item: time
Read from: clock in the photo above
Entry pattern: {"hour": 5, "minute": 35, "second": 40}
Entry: {"hour": 10, "minute": 21, "second": 35}
